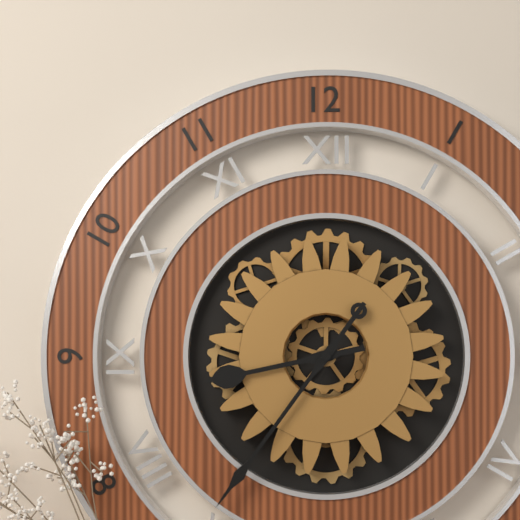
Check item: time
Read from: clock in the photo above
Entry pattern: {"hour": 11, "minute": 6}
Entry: {"hour": 8, "minute": 36}
